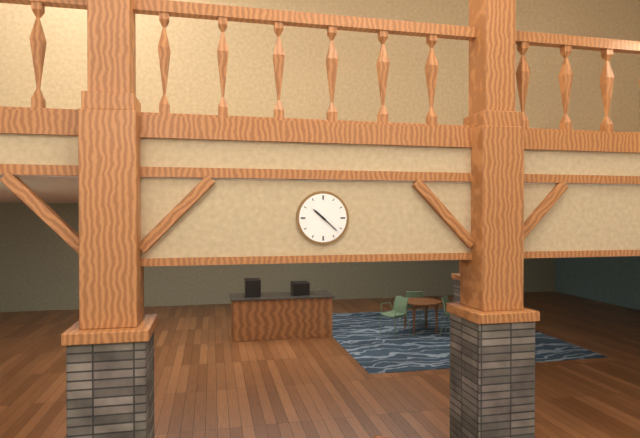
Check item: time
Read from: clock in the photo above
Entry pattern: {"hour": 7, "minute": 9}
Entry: {"hour": 10, "minute": 22}
